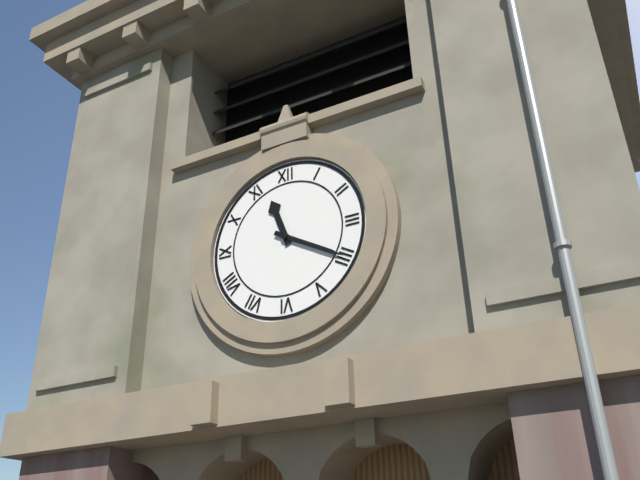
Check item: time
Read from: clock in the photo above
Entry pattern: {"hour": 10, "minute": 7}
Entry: {"hour": 11, "minute": 20}
